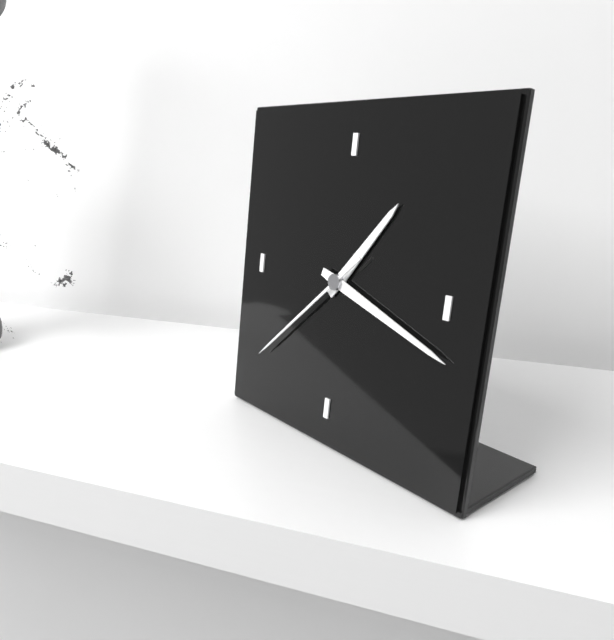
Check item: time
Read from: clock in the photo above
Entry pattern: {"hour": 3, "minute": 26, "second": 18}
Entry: {"hour": 1, "minute": 18, "second": 38}
